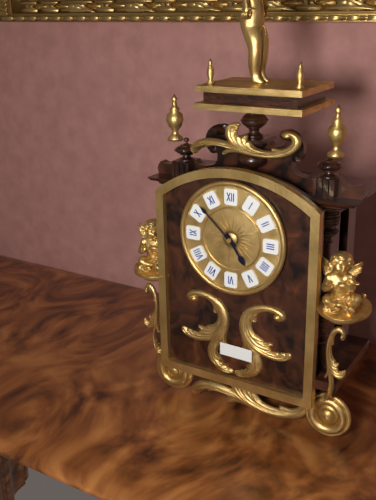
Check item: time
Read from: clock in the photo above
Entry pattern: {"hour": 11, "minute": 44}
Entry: {"hour": 4, "minute": 52}
